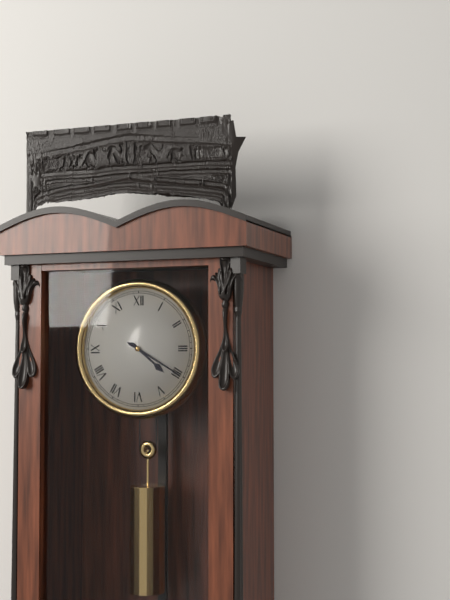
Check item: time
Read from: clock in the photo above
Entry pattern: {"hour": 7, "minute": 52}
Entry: {"hour": 4, "minute": 20}
